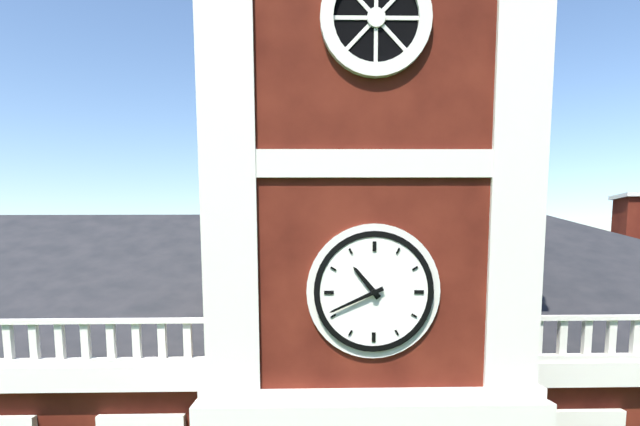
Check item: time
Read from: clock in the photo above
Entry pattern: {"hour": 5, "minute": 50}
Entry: {"hour": 10, "minute": 41}
